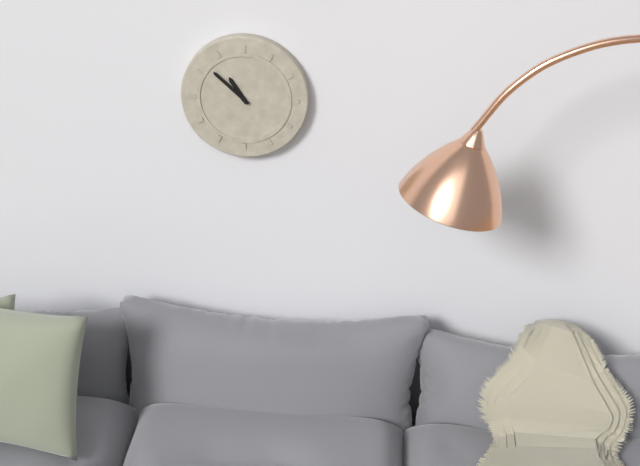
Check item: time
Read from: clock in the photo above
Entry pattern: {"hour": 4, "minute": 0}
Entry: {"hour": 10, "minute": 52}
